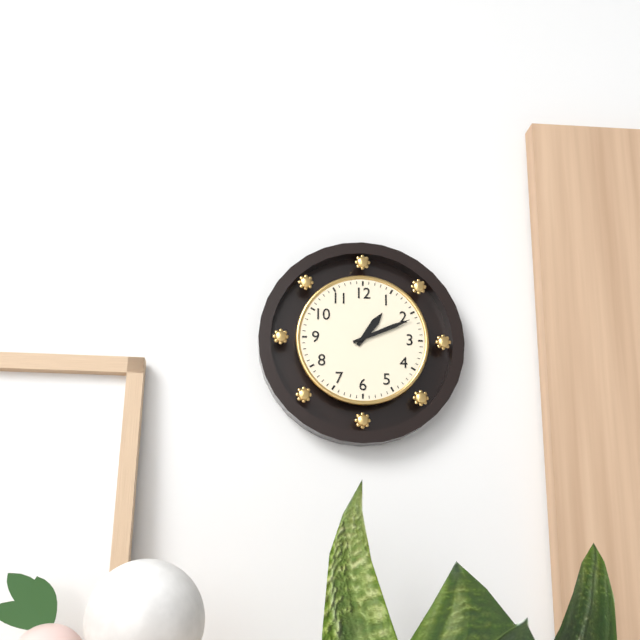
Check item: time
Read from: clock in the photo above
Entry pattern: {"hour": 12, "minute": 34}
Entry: {"hour": 1, "minute": 11}
